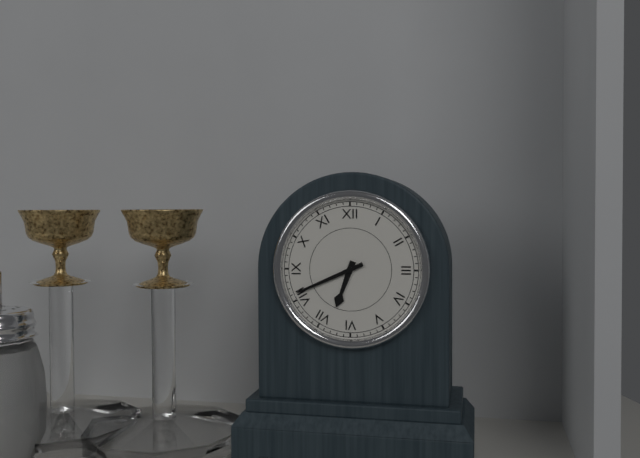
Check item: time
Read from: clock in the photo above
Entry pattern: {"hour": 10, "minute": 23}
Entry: {"hour": 6, "minute": 41}
